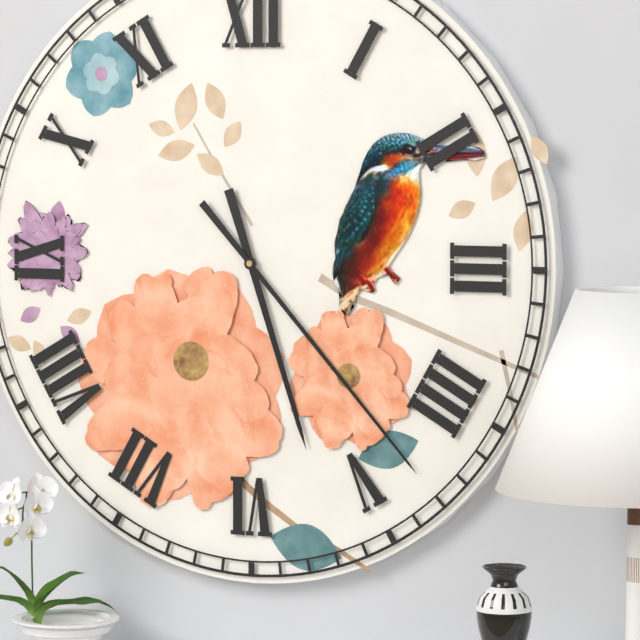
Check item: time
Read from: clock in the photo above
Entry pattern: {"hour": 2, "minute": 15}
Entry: {"hour": 5, "minute": 23}
